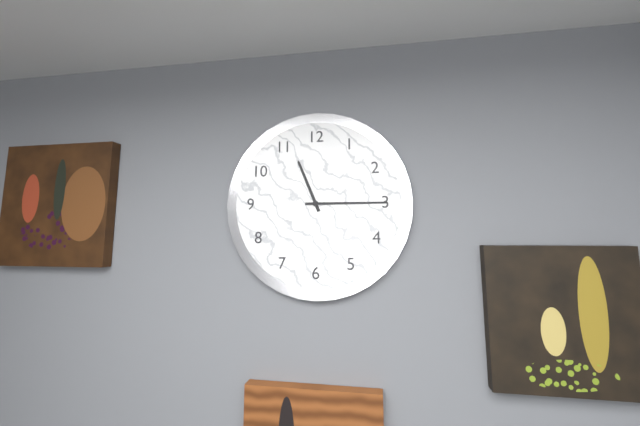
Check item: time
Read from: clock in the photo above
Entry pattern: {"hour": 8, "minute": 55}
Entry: {"hour": 11, "minute": 15}
